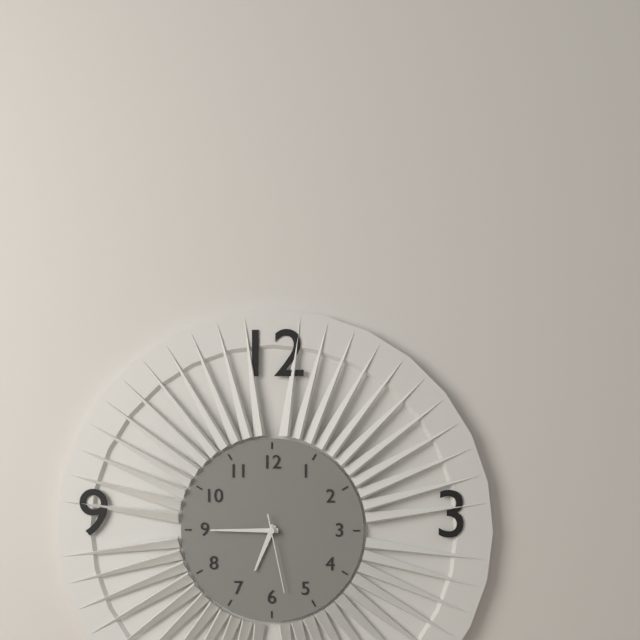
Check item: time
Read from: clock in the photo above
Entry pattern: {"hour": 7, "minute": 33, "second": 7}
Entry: {"hour": 6, "minute": 45, "second": 28}
